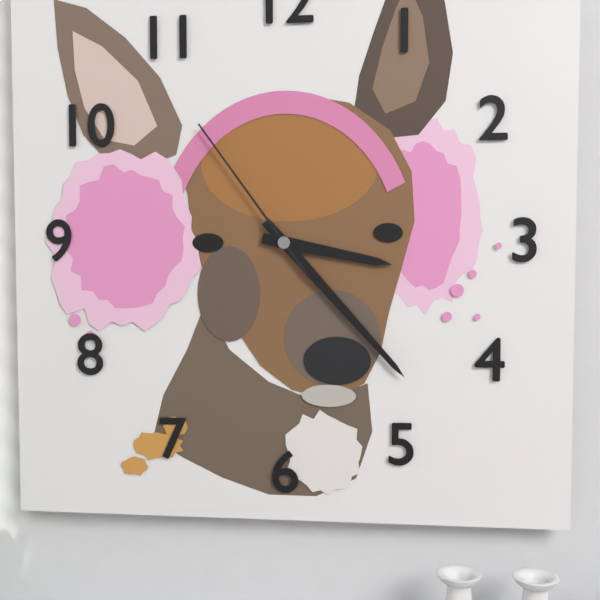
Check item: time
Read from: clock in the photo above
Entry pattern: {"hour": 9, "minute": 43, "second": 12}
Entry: {"hour": 3, "minute": 23, "second": 54}
